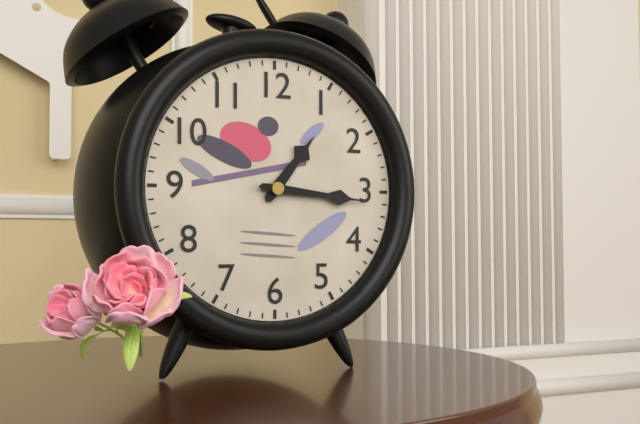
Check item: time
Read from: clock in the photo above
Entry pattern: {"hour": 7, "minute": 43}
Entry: {"hour": 1, "minute": 16}
